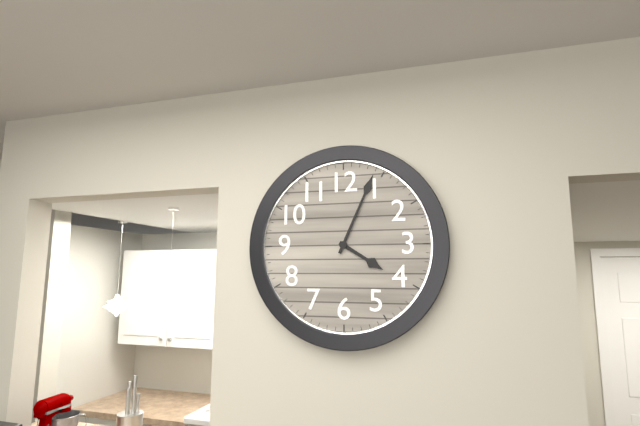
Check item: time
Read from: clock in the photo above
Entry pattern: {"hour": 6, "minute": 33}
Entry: {"hour": 4, "minute": 4}
